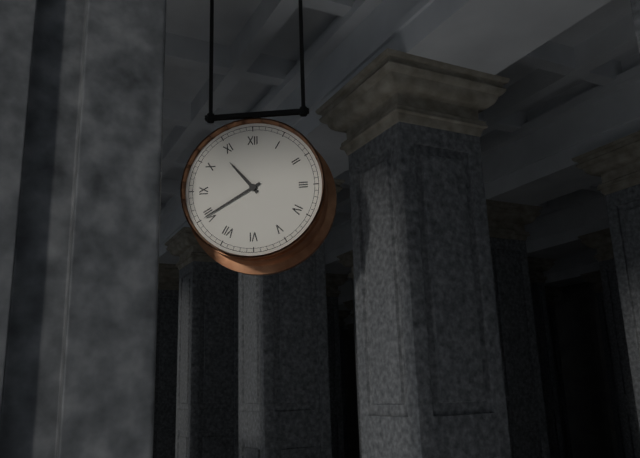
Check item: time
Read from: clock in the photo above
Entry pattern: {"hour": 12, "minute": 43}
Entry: {"hour": 10, "minute": 40}
